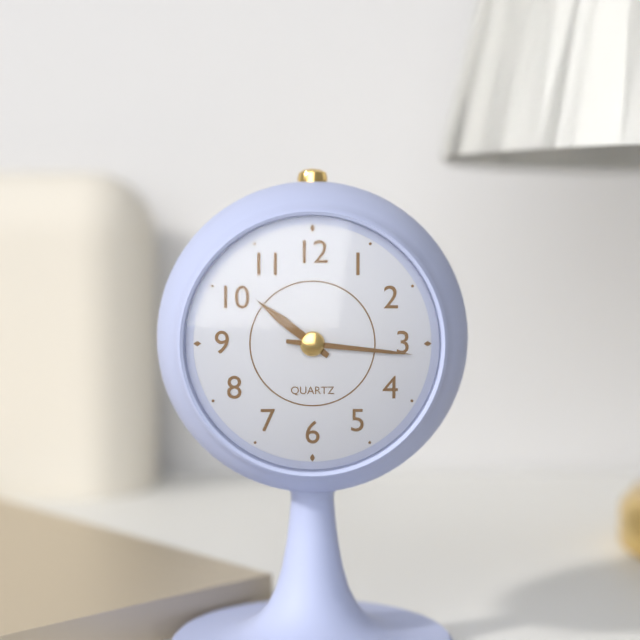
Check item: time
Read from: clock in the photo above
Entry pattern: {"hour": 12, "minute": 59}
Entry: {"hour": 10, "minute": 16}
